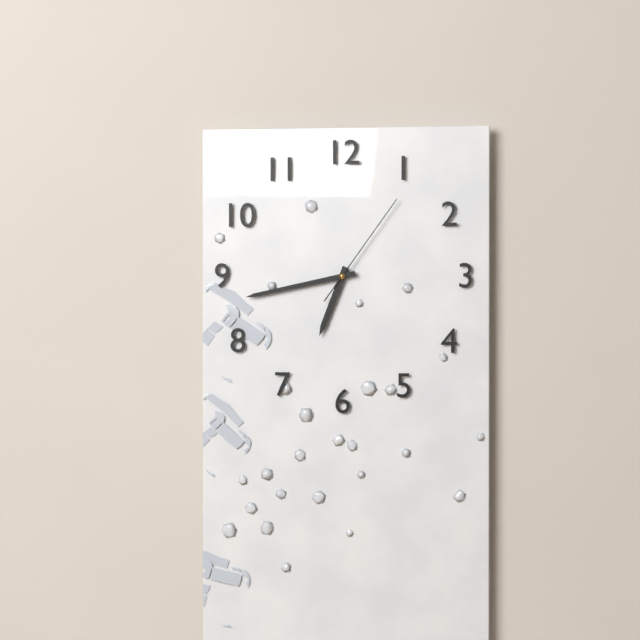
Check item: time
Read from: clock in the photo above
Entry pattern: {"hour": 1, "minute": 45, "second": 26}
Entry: {"hour": 6, "minute": 43, "second": 6}
